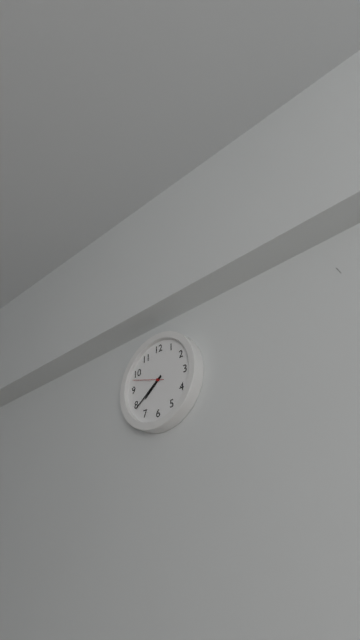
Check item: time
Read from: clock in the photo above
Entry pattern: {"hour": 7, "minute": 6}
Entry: {"hour": 7, "minute": 39}
